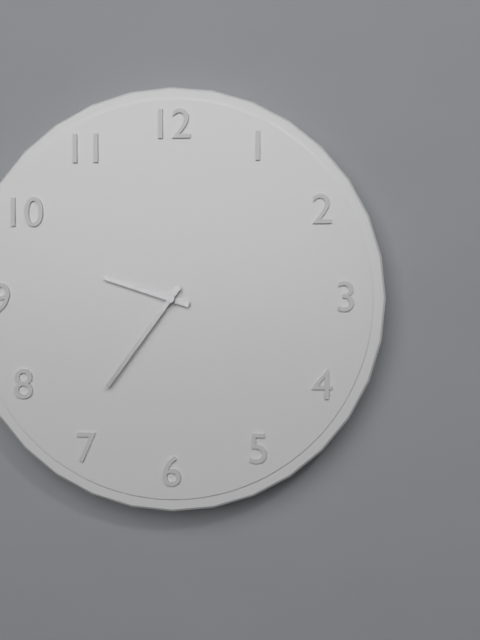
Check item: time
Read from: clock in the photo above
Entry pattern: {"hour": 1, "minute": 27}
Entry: {"hour": 9, "minute": 36}
